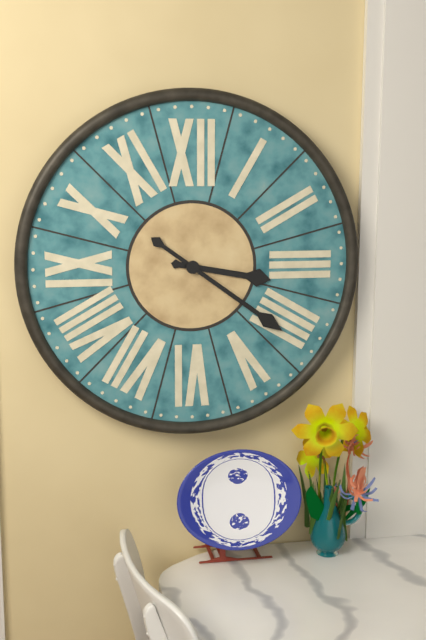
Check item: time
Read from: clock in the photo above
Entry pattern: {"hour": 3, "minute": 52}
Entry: {"hour": 3, "minute": 21}
